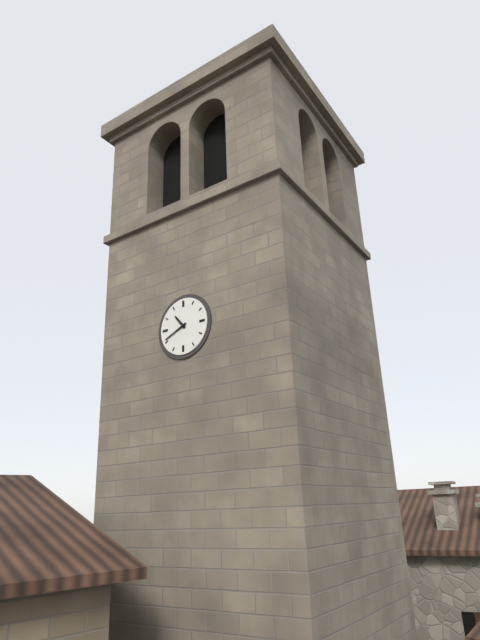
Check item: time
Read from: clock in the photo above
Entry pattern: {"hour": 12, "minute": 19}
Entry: {"hour": 10, "minute": 41}
